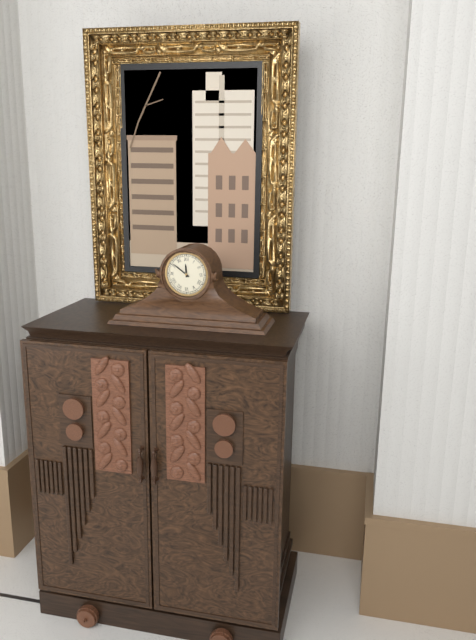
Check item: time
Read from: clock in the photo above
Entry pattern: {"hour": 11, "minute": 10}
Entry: {"hour": 11, "minute": 51}
